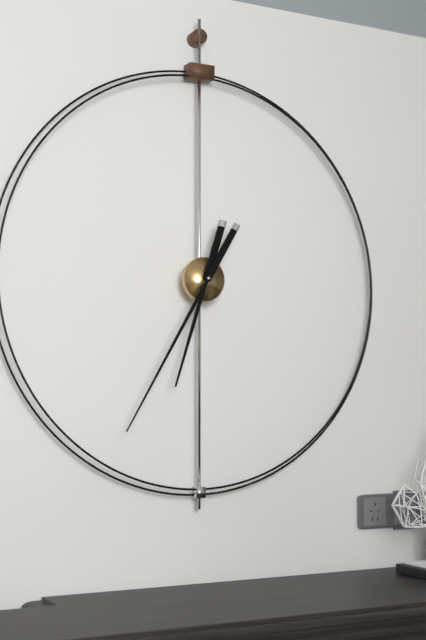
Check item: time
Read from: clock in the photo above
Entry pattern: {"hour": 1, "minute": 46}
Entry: {"hour": 6, "minute": 35}
